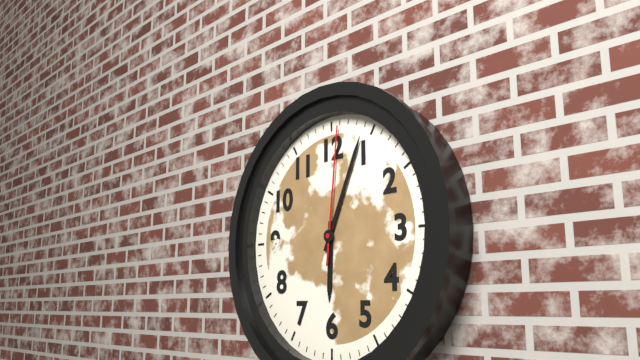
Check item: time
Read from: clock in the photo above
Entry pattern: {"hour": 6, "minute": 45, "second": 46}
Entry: {"hour": 6, "minute": 4, "second": 1}
